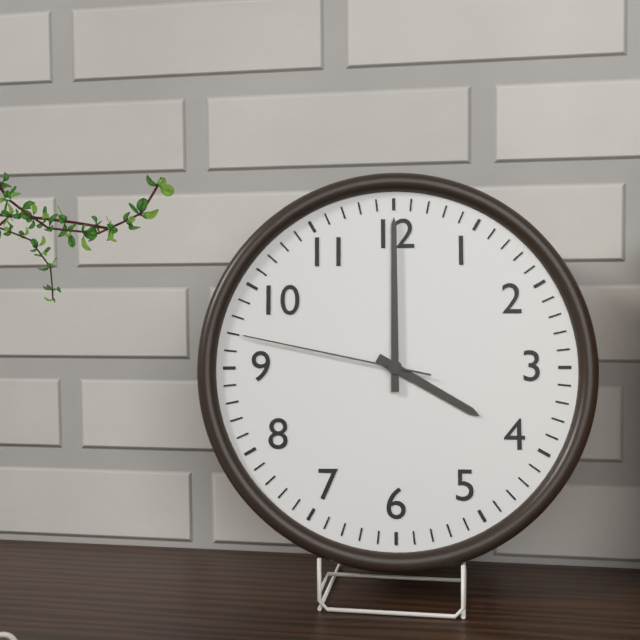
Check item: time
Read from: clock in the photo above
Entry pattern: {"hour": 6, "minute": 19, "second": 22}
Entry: {"hour": 4, "minute": 0, "second": 47}
